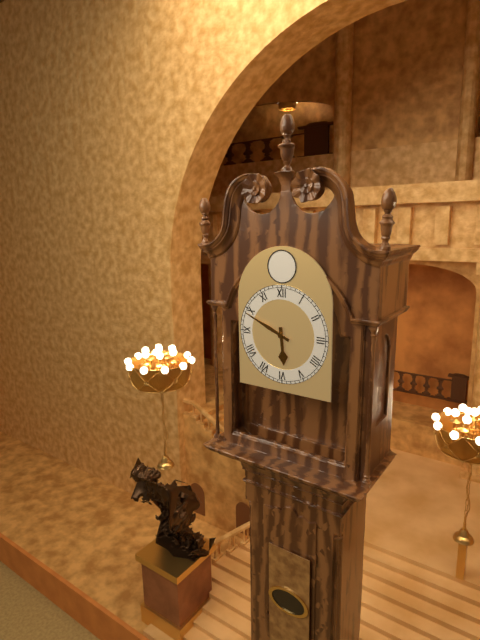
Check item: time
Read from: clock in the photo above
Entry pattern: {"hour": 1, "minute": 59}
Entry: {"hour": 5, "minute": 49}
